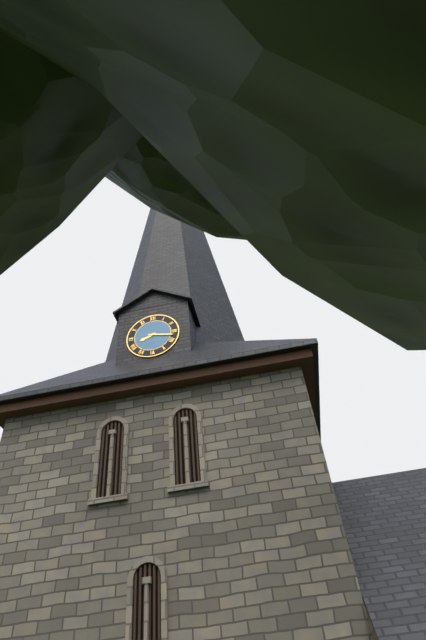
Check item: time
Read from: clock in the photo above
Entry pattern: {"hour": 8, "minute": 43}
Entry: {"hour": 8, "minute": 17}
